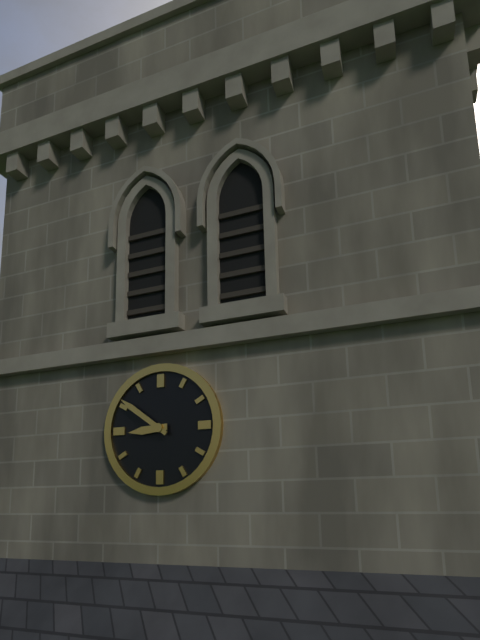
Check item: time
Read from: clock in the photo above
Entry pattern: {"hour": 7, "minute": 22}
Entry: {"hour": 8, "minute": 51}
